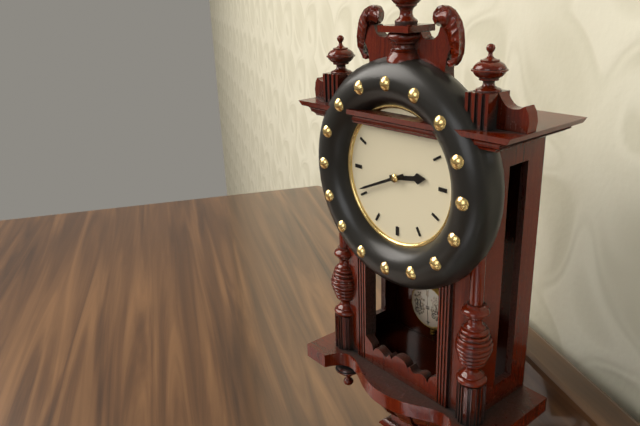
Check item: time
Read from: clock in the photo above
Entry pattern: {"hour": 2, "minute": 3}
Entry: {"hour": 2, "minute": 41}
